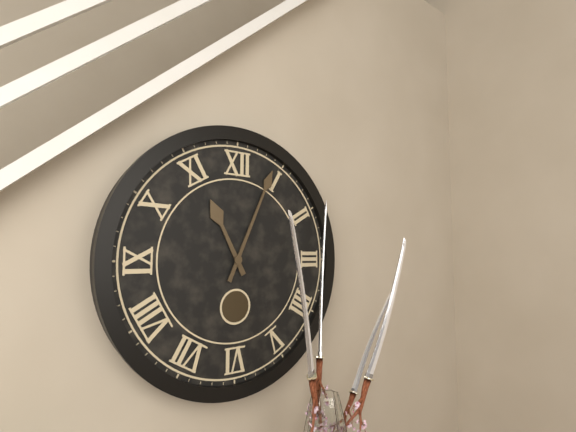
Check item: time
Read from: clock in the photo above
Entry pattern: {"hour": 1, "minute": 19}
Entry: {"hour": 11, "minute": 4}
